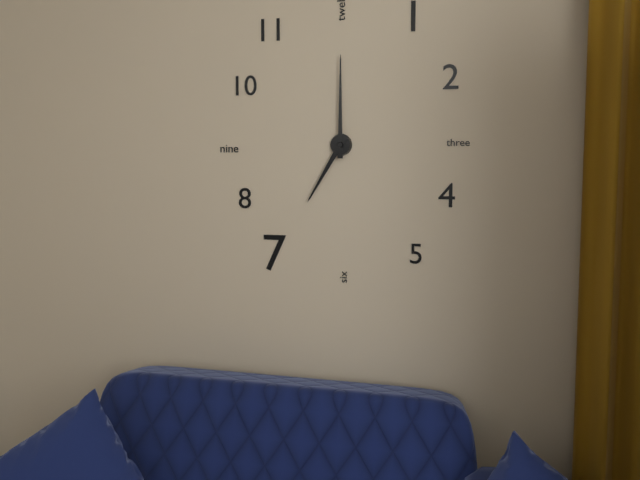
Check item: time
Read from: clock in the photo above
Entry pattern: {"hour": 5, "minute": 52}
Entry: {"hour": 7, "minute": 0}
